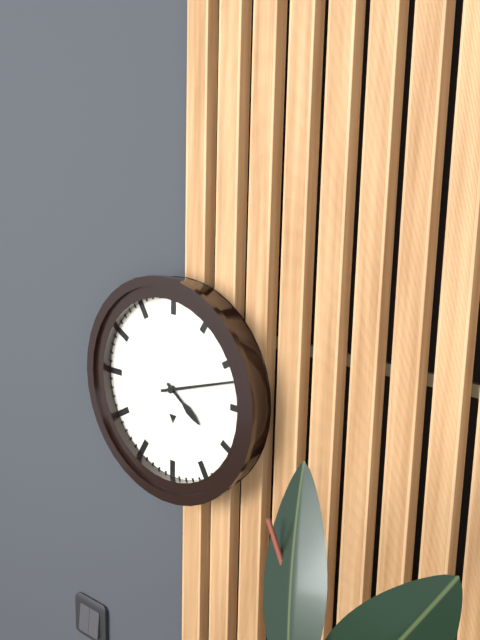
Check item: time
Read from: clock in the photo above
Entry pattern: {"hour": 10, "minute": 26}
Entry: {"hour": 4, "minute": 12}
